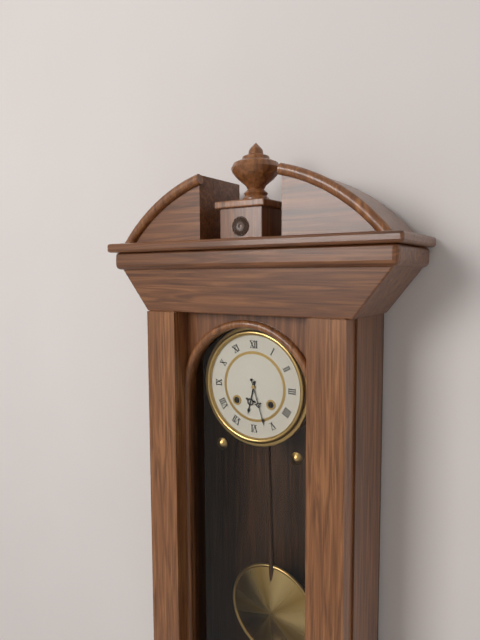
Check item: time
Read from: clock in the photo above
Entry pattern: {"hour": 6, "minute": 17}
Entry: {"hour": 6, "minute": 27}
